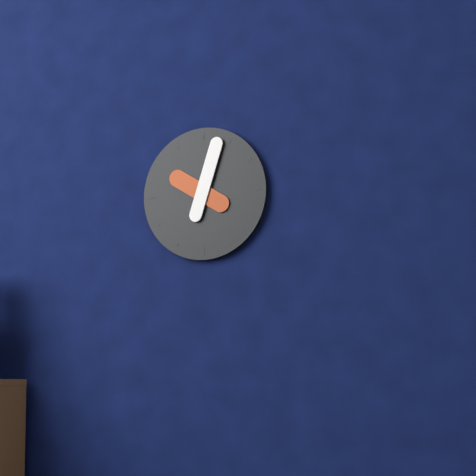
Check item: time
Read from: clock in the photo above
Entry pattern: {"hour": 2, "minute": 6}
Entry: {"hour": 10, "minute": 3}
